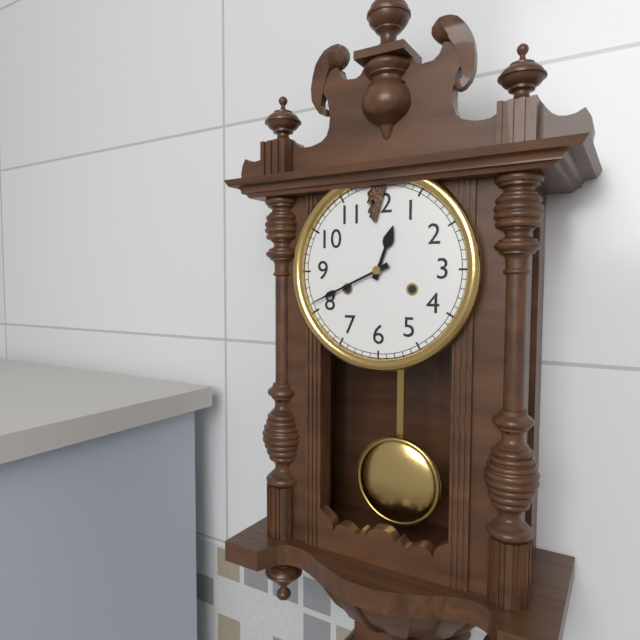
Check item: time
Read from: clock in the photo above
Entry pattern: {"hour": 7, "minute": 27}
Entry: {"hour": 12, "minute": 41}
